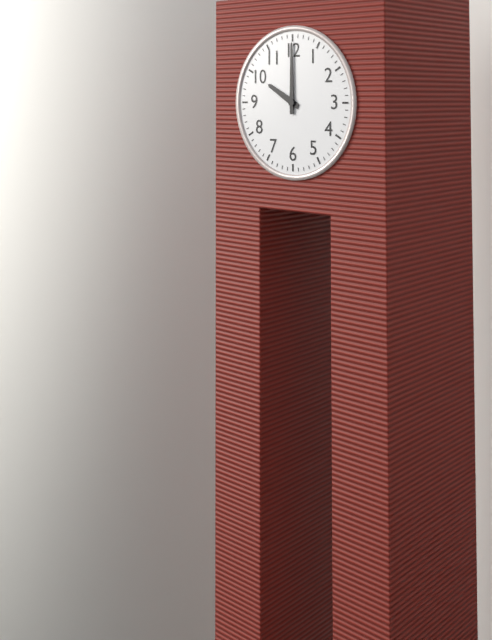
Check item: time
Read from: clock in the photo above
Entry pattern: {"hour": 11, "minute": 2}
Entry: {"hour": 10, "minute": 0}
